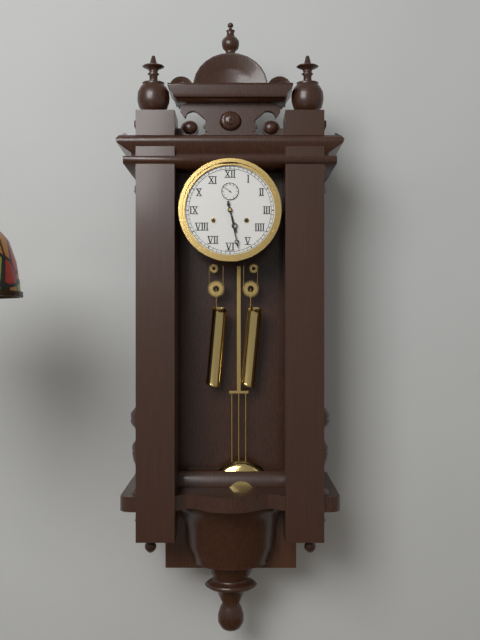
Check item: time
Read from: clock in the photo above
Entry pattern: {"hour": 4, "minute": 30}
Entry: {"hour": 5, "minute": 28}
